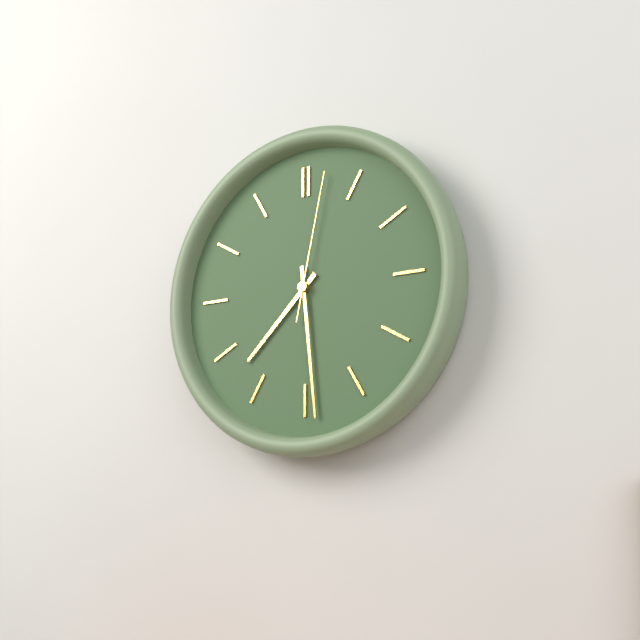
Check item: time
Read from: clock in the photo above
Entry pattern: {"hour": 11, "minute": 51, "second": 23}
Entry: {"hour": 7, "minute": 29, "second": 2}
